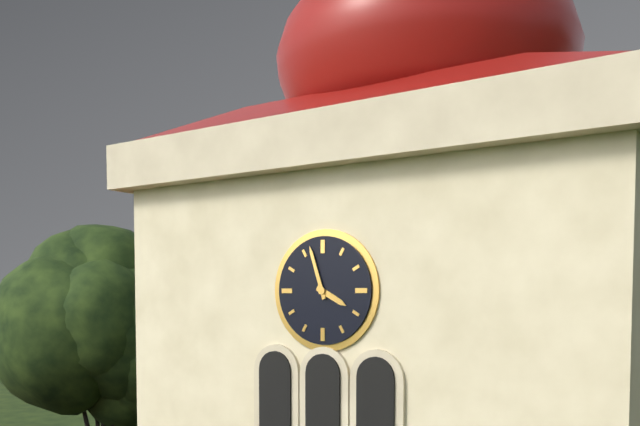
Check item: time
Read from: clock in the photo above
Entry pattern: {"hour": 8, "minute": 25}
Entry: {"hour": 3, "minute": 57}
